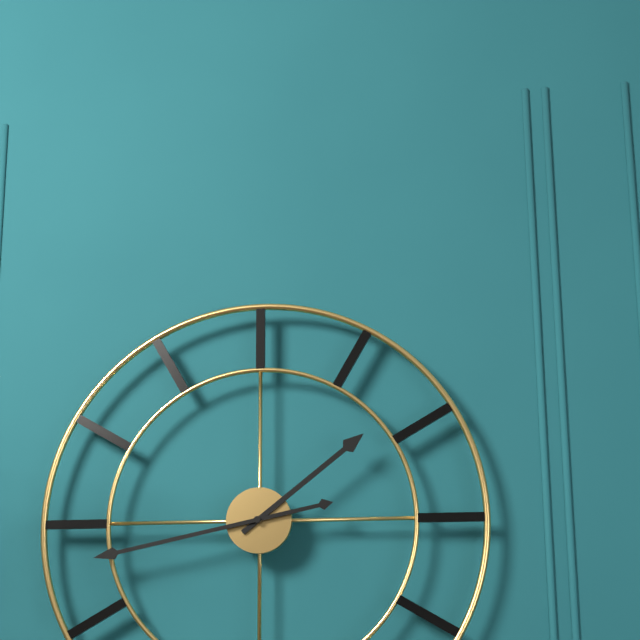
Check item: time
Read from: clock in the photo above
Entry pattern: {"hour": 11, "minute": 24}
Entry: {"hour": 1, "minute": 43}
